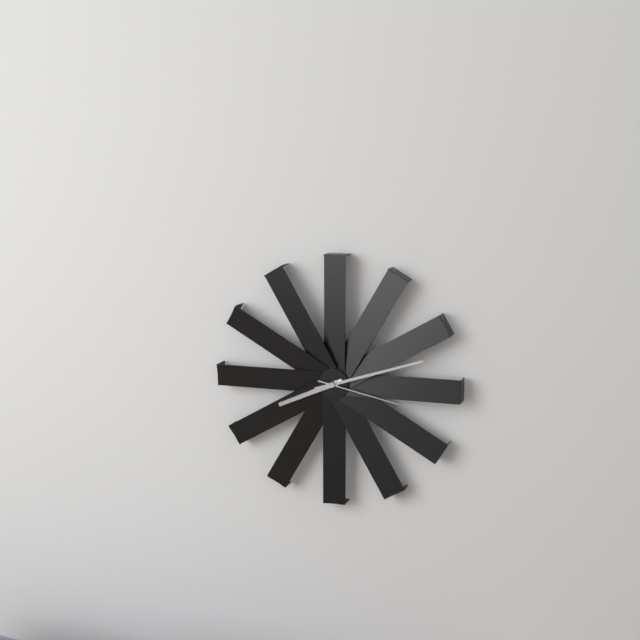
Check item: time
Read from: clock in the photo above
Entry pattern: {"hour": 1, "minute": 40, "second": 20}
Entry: {"hour": 8, "minute": 12, "second": 17}
